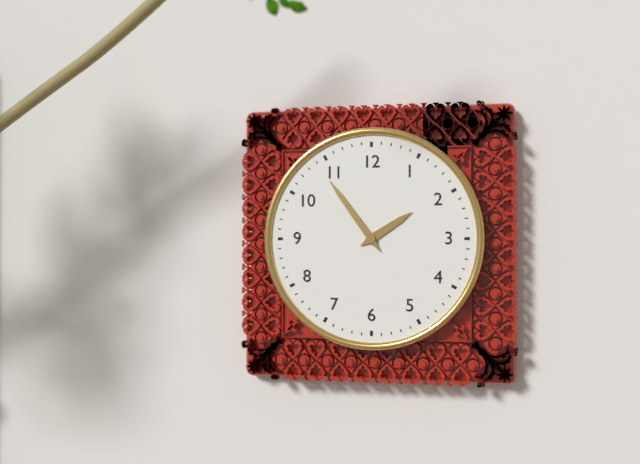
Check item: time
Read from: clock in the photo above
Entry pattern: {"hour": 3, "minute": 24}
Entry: {"hour": 1, "minute": 54}
